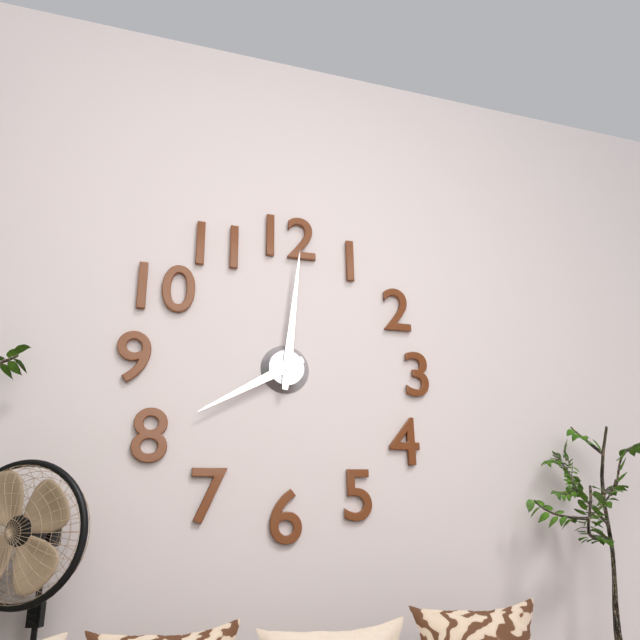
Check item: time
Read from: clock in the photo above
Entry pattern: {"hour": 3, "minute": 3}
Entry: {"hour": 8, "minute": 1}
